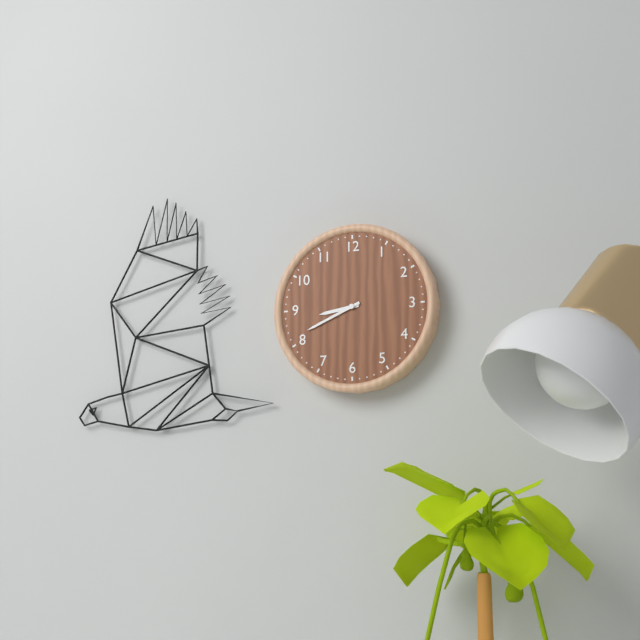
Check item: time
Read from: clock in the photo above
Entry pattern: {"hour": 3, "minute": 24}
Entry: {"hour": 8, "minute": 41}
